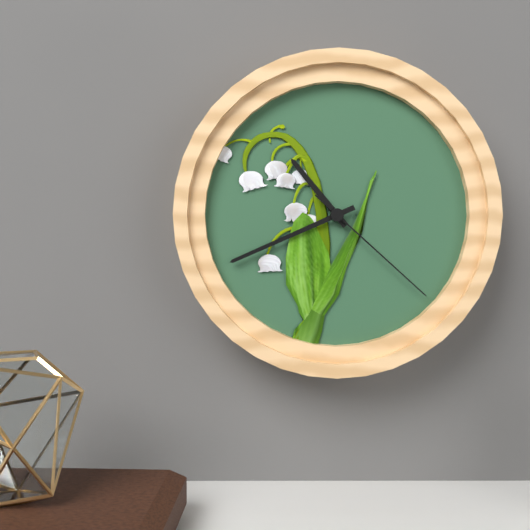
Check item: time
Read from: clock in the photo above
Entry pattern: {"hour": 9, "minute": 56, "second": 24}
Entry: {"hour": 10, "minute": 41, "second": 22}
